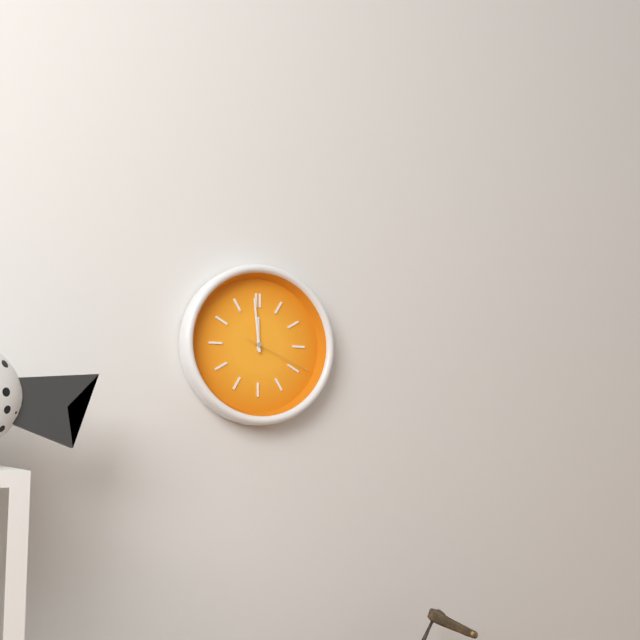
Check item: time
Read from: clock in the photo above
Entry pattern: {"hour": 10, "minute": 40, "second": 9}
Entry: {"hour": 11, "minute": 59, "second": 19}
